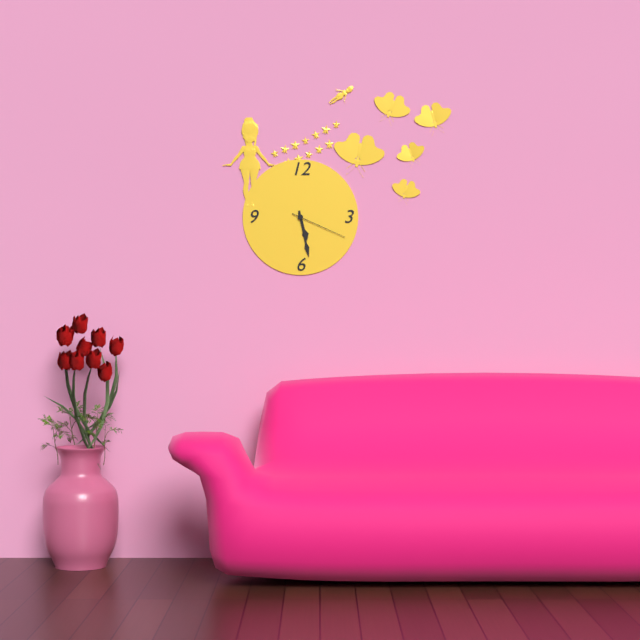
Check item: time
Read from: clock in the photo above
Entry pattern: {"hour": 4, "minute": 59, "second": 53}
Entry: {"hour": 5, "minute": 28, "second": 19}
